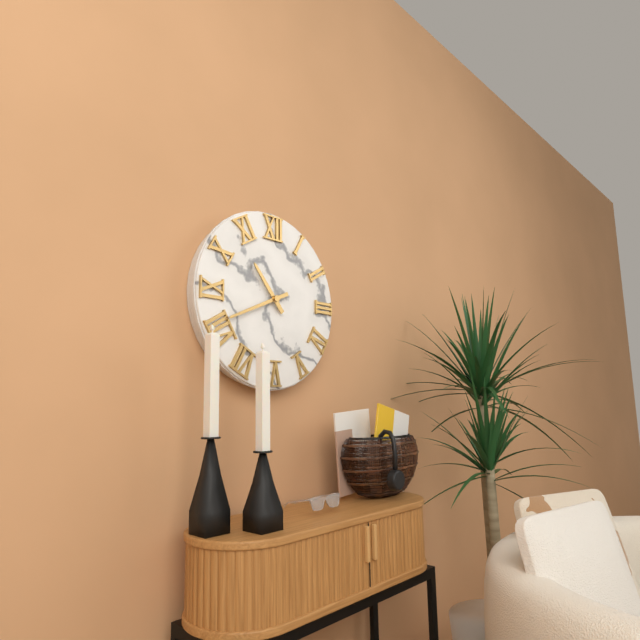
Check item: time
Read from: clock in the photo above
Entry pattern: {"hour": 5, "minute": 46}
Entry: {"hour": 10, "minute": 41}
